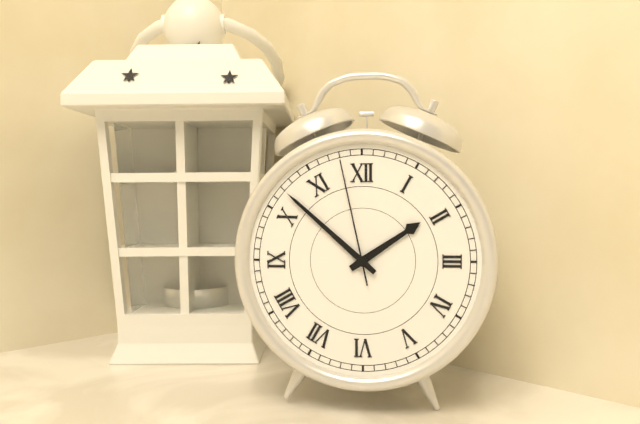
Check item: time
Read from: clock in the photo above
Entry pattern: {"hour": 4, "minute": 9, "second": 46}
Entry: {"hour": 1, "minute": 52, "second": 58}
